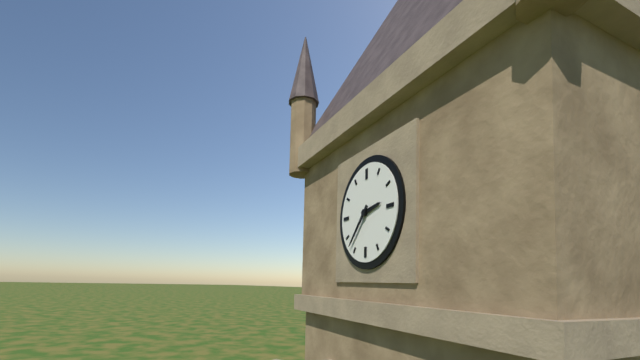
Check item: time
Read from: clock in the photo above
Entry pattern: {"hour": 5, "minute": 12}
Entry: {"hour": 2, "minute": 37}
